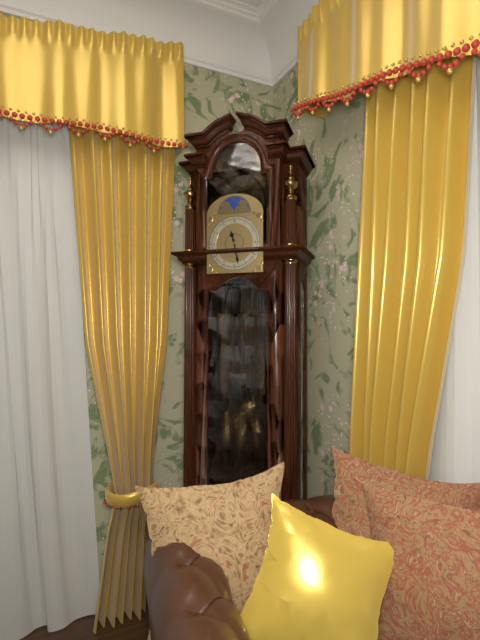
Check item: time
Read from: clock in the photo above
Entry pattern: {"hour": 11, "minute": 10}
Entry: {"hour": 11, "minute": 28}
